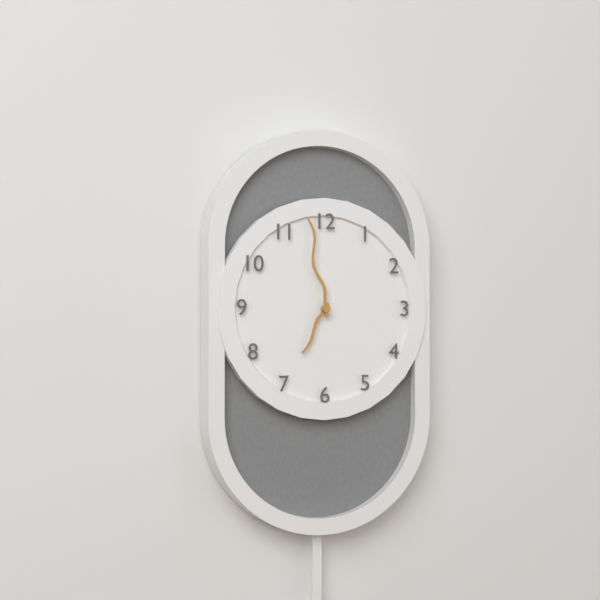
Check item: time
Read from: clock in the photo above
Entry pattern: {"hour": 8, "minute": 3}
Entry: {"hour": 6, "minute": 58}
